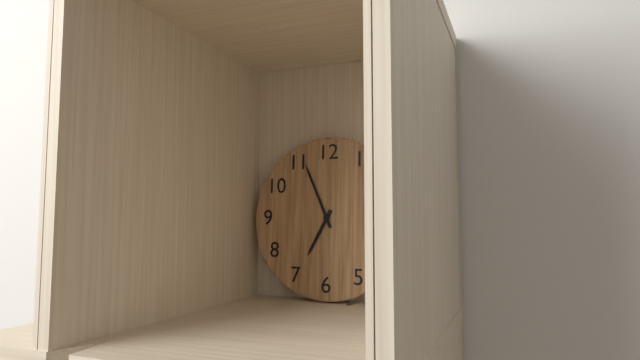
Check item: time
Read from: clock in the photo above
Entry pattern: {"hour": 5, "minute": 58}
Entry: {"hour": 6, "minute": 56}
